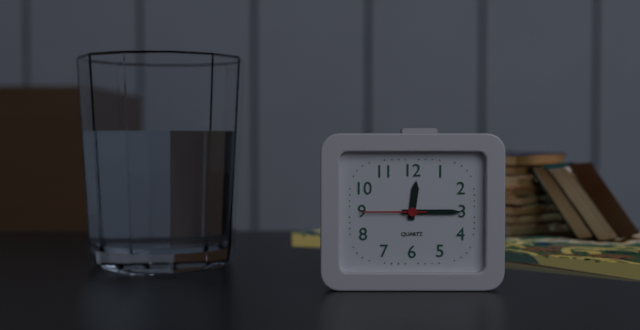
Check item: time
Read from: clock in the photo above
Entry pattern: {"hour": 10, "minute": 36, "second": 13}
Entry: {"hour": 12, "minute": 15, "second": 45}
